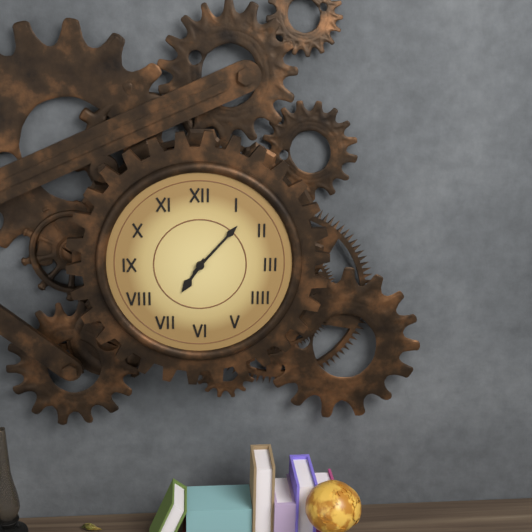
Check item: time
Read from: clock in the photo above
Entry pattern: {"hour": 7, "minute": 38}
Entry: {"hour": 7, "minute": 7}
